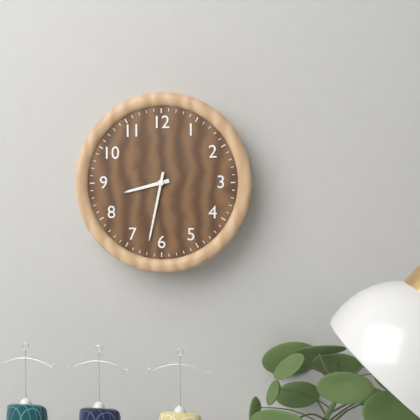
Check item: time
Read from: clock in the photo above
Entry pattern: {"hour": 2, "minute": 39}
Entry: {"hour": 8, "minute": 32}
